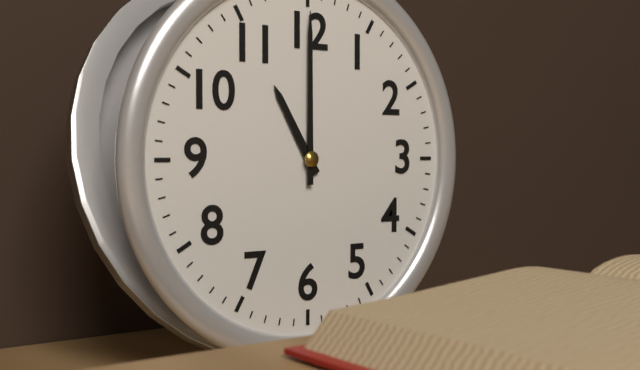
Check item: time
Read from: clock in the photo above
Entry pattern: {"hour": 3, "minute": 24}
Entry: {"hour": 11, "minute": 0}
